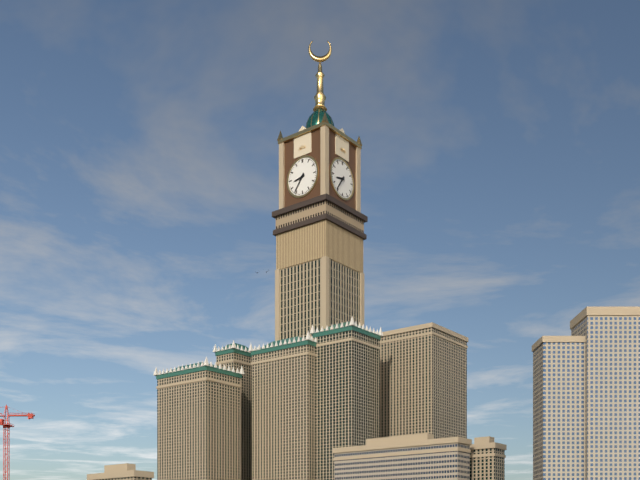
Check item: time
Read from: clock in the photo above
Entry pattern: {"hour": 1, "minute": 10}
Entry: {"hour": 8, "minute": 36}
